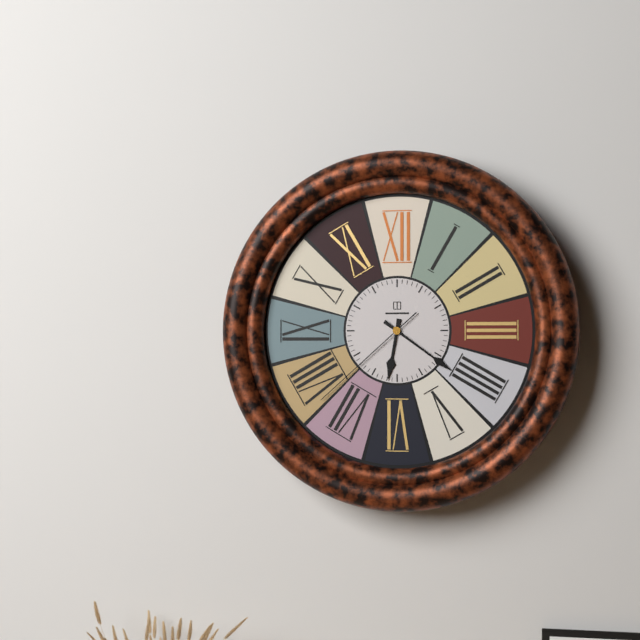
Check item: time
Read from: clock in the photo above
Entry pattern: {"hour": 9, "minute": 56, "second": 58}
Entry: {"hour": 6, "minute": 21, "second": 38}
